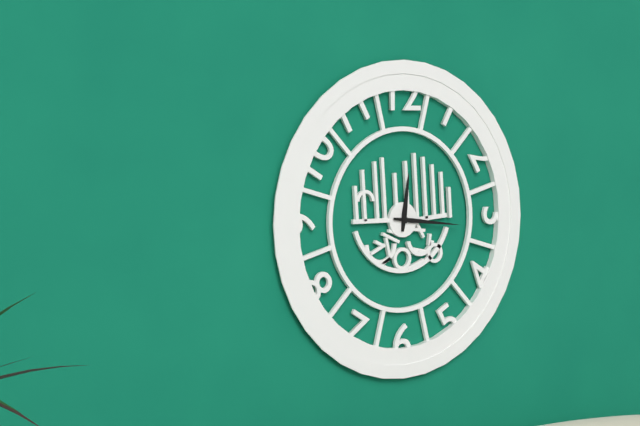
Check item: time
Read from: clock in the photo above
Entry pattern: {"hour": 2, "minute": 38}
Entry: {"hour": 12, "minute": 16}
